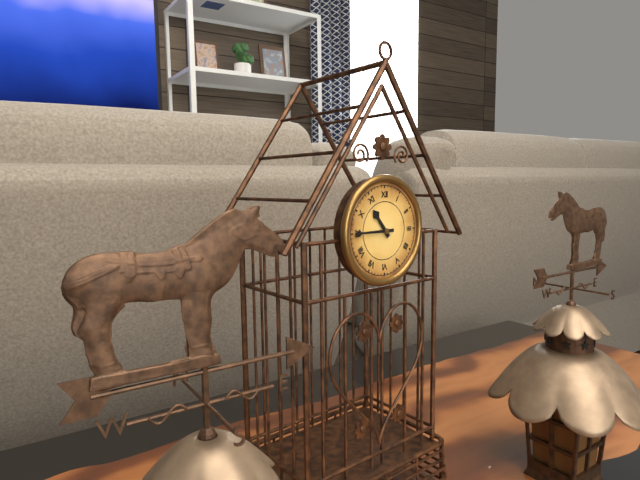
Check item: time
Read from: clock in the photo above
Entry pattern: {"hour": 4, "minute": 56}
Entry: {"hour": 10, "minute": 45}
